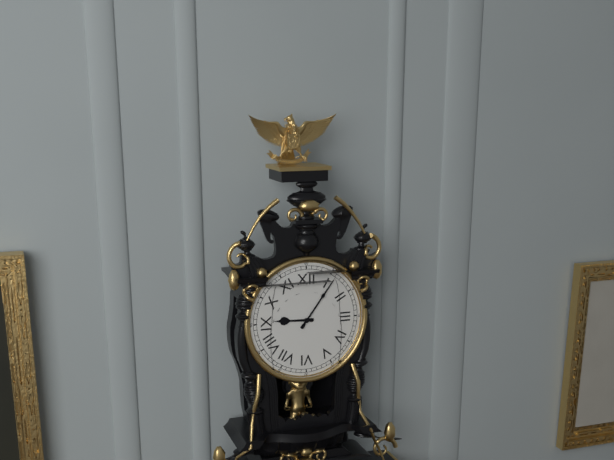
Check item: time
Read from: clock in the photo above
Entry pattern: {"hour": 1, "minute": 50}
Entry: {"hour": 9, "minute": 6}
